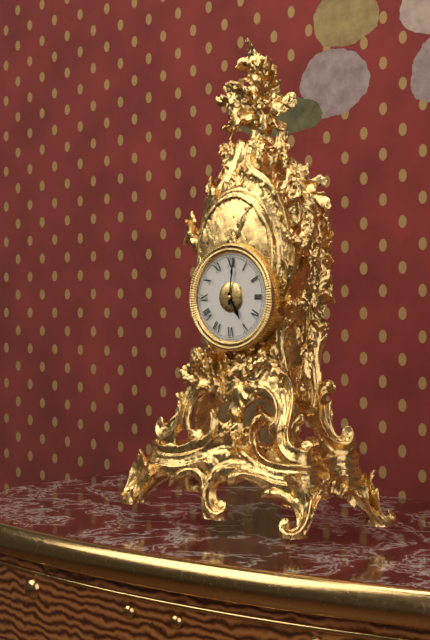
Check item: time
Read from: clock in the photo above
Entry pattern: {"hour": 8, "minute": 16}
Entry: {"hour": 5, "minute": 1}
